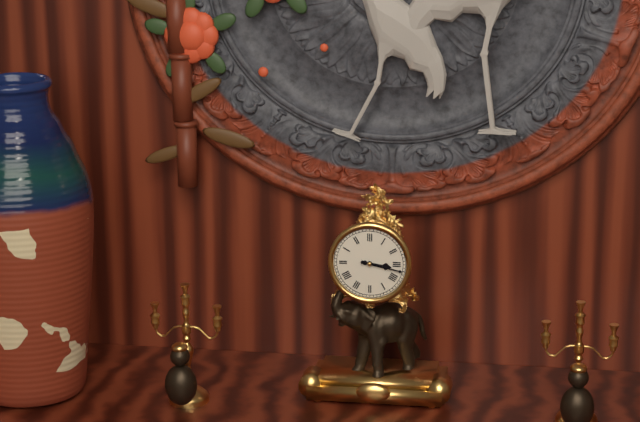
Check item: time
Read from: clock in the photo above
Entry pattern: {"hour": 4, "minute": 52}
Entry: {"hour": 3, "minute": 17}
